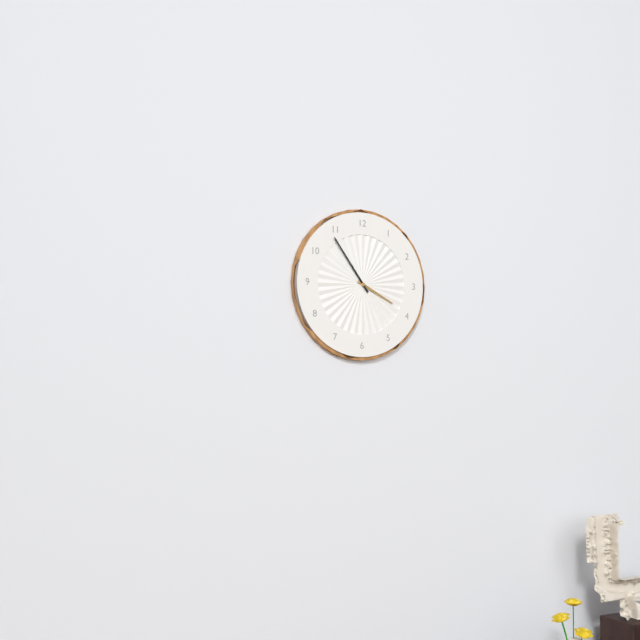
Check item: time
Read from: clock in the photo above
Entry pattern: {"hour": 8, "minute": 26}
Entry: {"hour": 3, "minute": 54}
